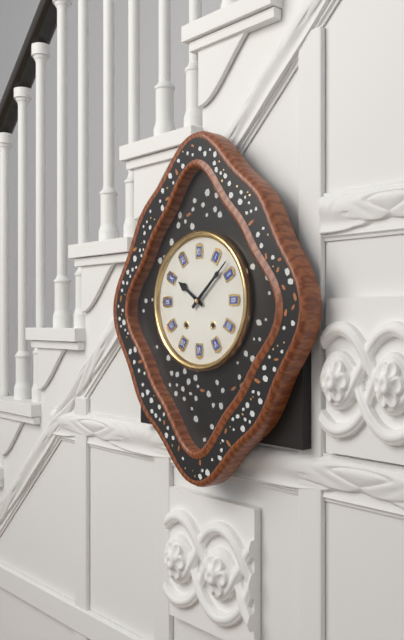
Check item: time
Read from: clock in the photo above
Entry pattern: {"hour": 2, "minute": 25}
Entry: {"hour": 10, "minute": 8}
